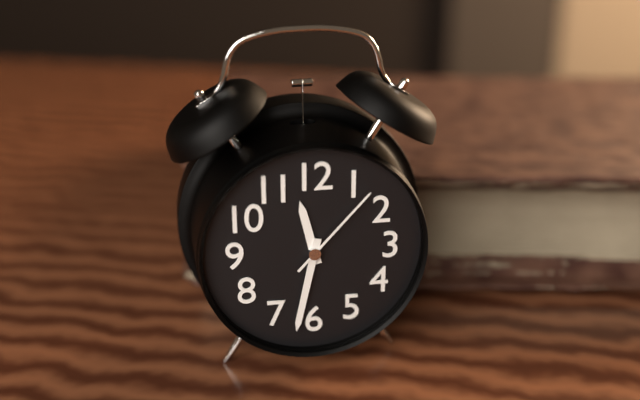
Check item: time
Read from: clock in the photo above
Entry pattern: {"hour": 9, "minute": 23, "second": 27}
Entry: {"hour": 11, "minute": 32, "second": 7}
